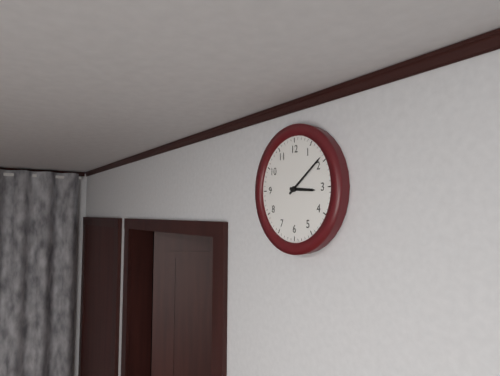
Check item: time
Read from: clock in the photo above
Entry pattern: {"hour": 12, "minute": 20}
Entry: {"hour": 3, "minute": 9}
